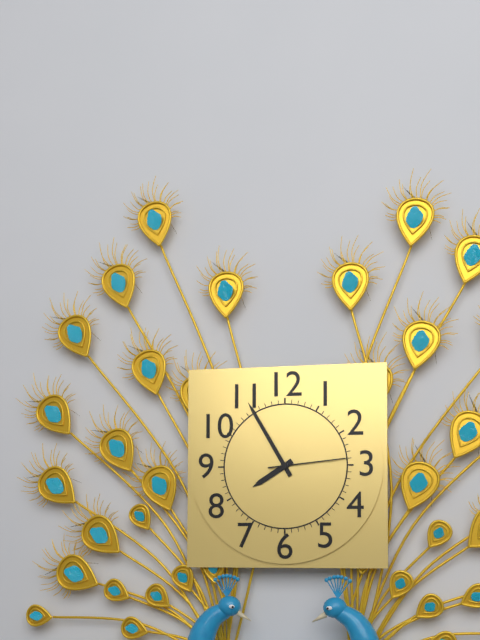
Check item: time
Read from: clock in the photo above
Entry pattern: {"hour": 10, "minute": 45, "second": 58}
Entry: {"hour": 7, "minute": 55, "second": 14}
